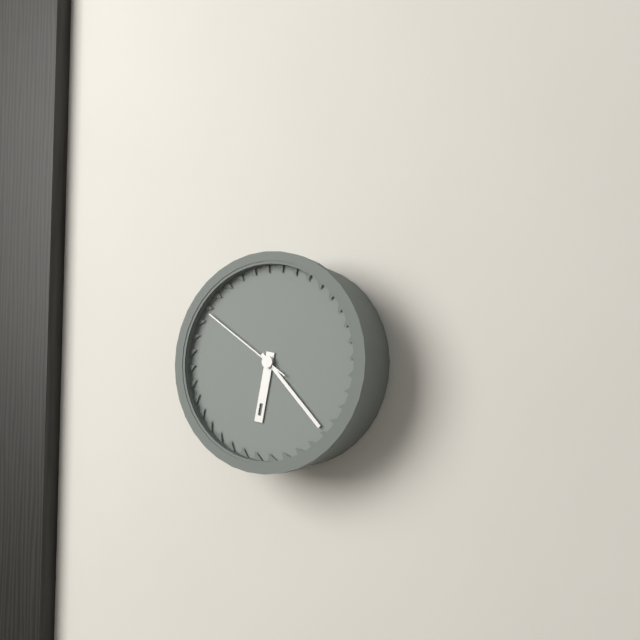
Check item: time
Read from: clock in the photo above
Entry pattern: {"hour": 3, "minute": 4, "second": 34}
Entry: {"hour": 6, "minute": 23, "second": 51}
